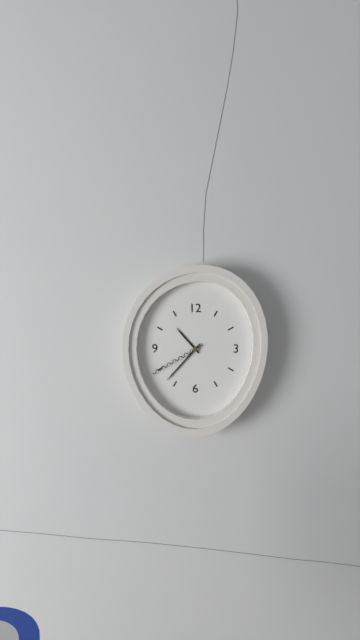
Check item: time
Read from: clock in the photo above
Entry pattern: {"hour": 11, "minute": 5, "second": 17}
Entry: {"hour": 10, "minute": 37, "second": 40}
